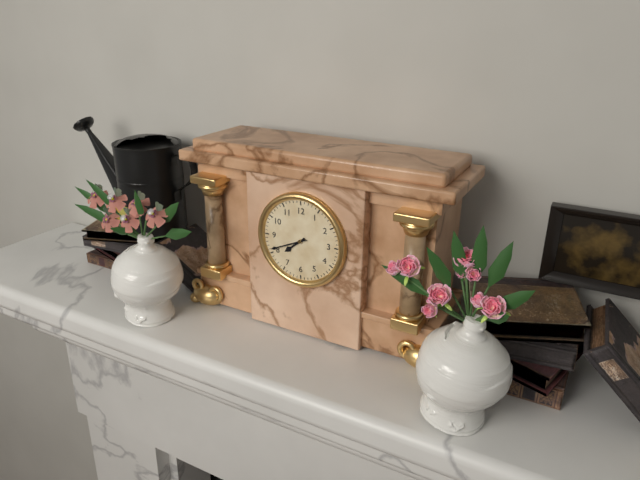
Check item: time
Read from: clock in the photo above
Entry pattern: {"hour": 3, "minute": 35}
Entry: {"hour": 7, "minute": 41}
